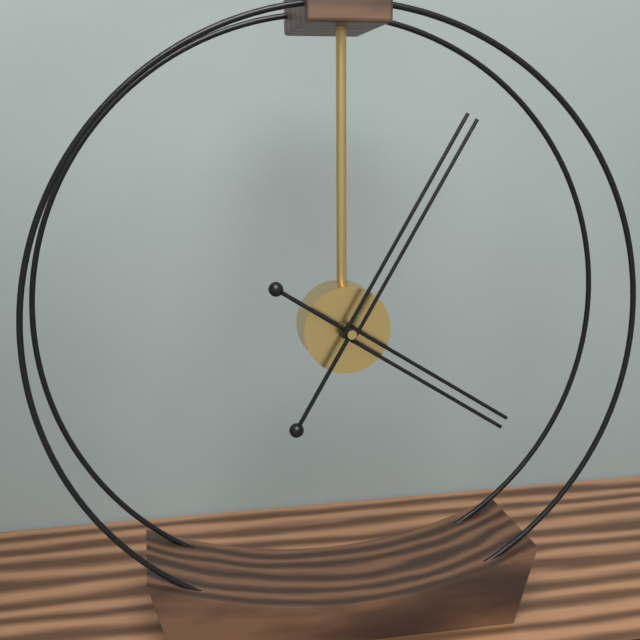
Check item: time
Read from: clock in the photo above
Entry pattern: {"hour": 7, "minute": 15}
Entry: {"hour": 4, "minute": 5}
